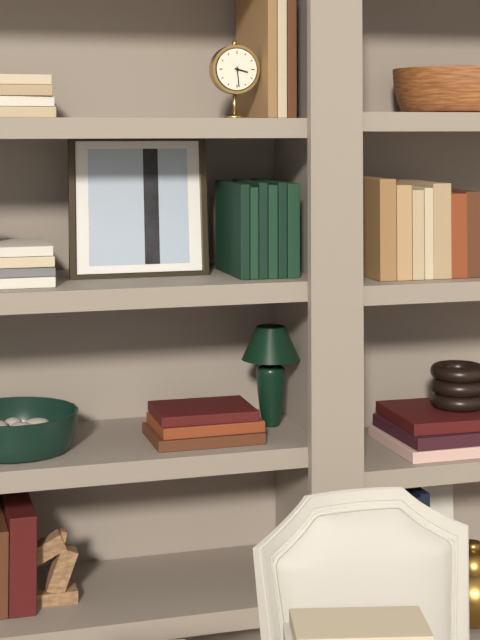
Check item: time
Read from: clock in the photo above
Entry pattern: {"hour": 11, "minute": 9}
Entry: {"hour": 3, "minute": 29}
